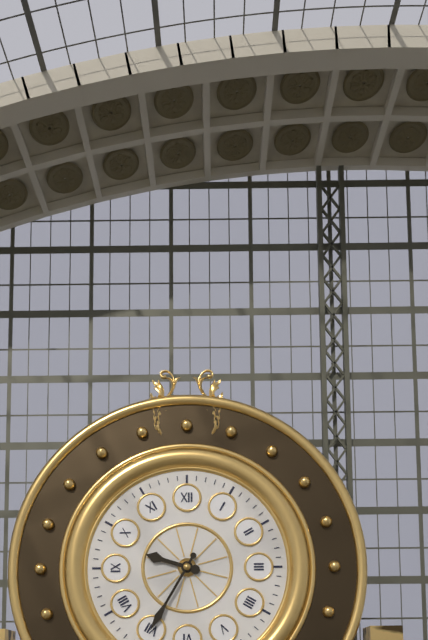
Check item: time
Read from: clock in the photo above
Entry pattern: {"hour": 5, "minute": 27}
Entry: {"hour": 9, "minute": 35}
